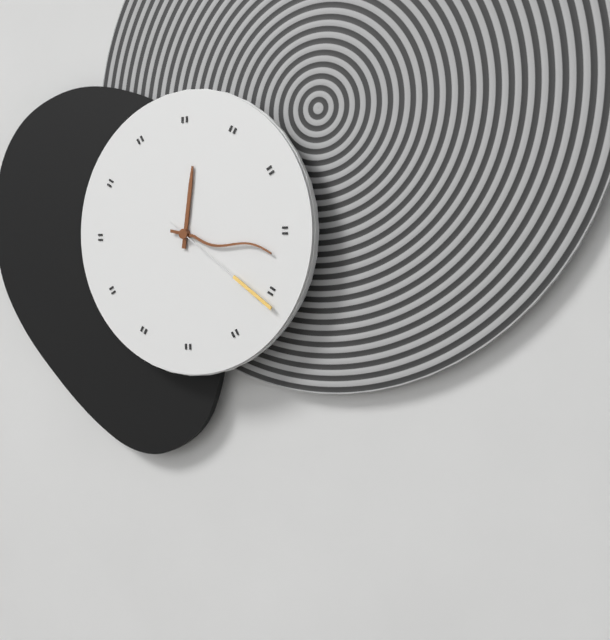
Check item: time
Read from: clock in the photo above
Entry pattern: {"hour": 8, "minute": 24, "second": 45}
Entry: {"hour": 12, "minute": 17, "second": 21}
